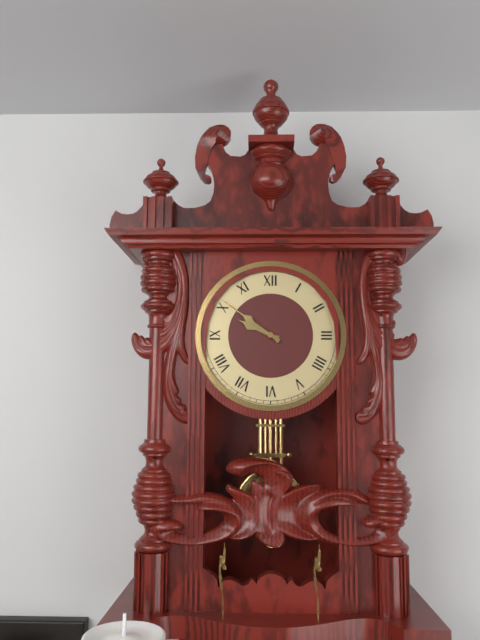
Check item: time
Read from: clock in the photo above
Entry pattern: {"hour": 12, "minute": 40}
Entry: {"hour": 9, "minute": 51}
